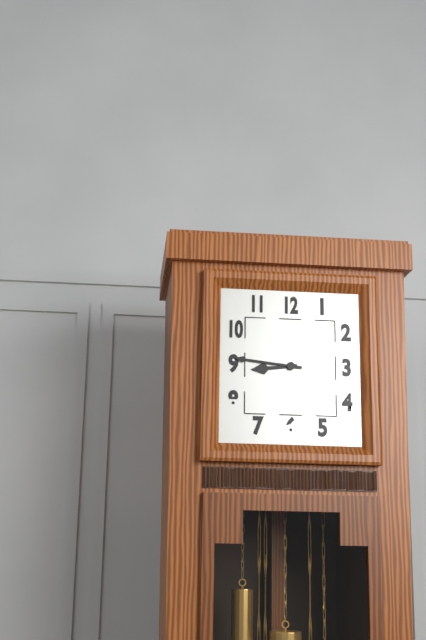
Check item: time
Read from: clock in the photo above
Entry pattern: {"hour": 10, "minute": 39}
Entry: {"hour": 8, "minute": 46}
